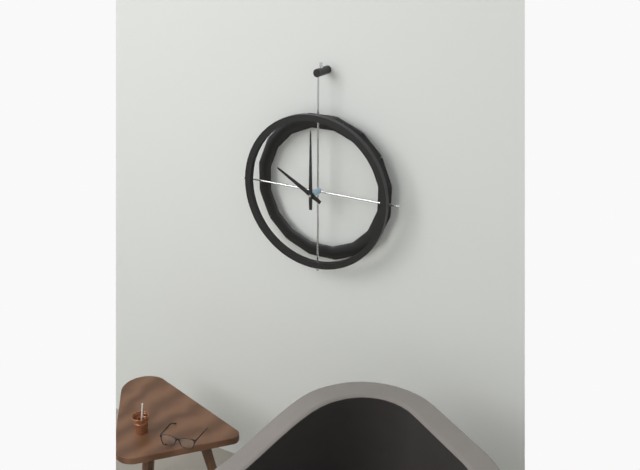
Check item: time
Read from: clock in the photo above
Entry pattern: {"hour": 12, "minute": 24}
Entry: {"hour": 10, "minute": 0}
